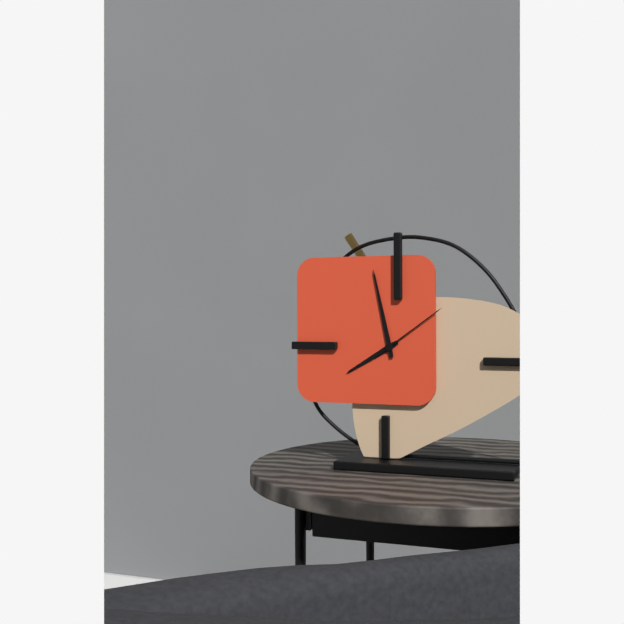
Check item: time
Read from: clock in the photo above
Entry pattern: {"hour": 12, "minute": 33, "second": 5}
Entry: {"hour": 7, "minute": 58, "second": 9}
